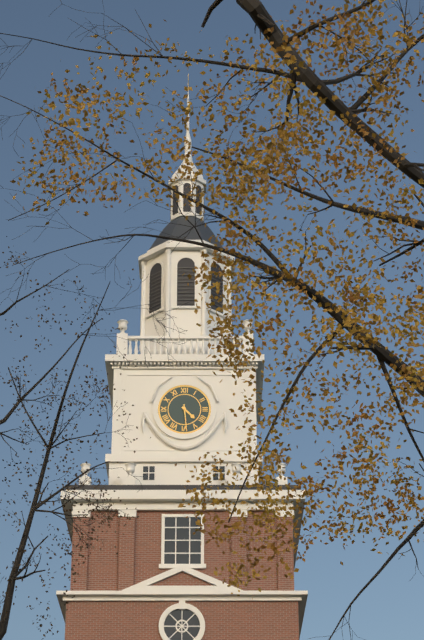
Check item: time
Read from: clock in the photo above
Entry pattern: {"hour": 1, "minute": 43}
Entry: {"hour": 4, "minute": 29}
